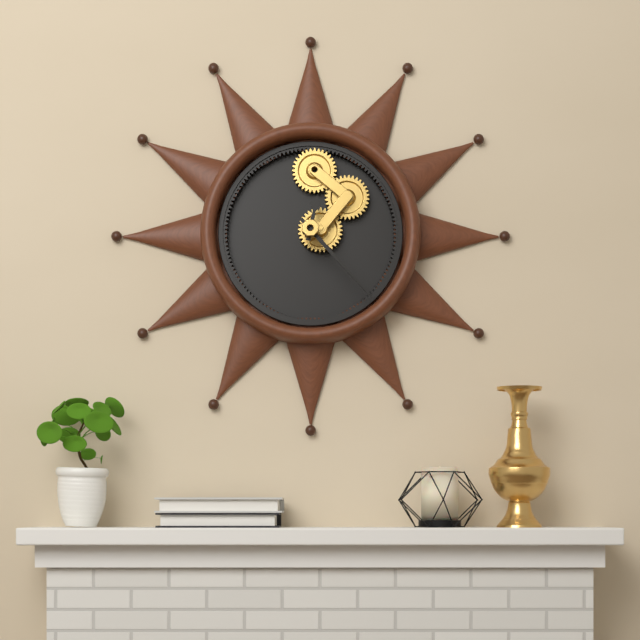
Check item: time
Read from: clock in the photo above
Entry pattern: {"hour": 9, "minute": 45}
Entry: {"hour": 12, "minute": 23}
